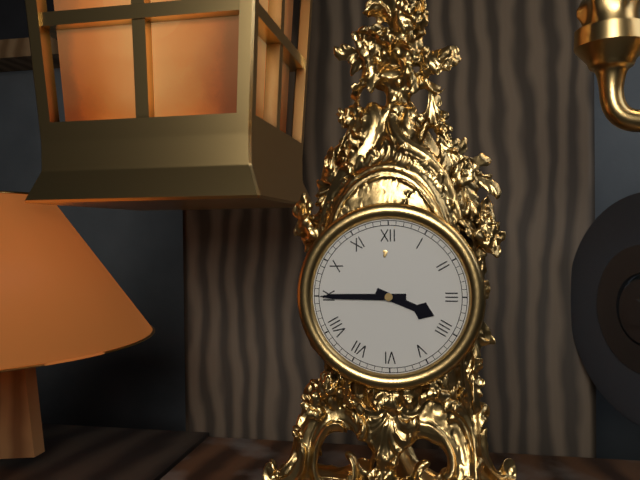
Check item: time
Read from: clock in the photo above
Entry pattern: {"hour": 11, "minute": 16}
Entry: {"hour": 3, "minute": 45}
